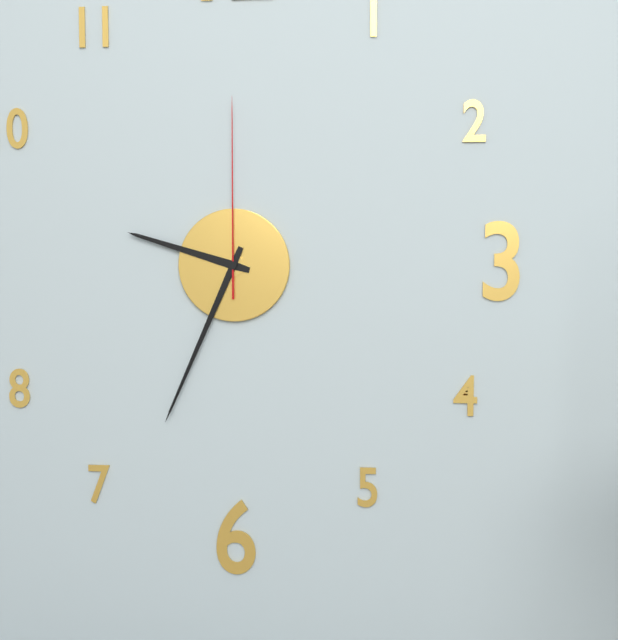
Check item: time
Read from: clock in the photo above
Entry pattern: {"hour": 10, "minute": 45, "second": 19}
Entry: {"hour": 9, "minute": 34, "second": 0}
